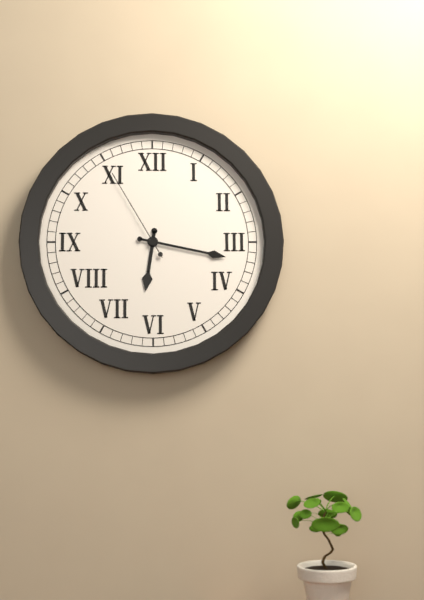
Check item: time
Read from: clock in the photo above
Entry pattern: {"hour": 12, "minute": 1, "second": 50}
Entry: {"hour": 6, "minute": 17, "second": 55}
